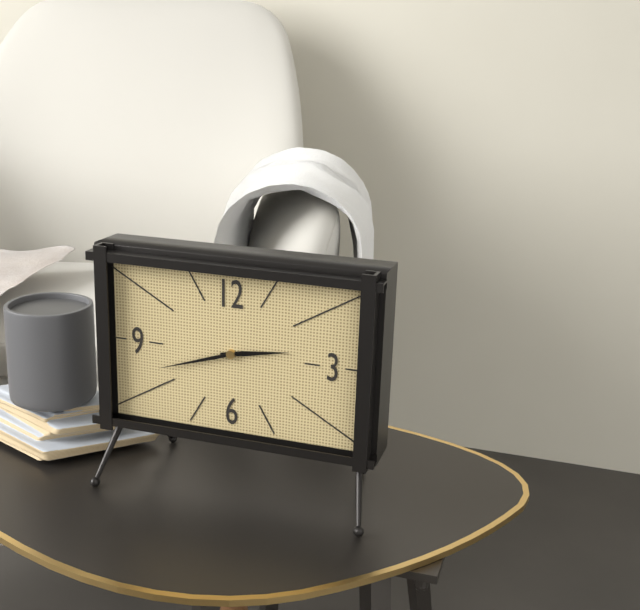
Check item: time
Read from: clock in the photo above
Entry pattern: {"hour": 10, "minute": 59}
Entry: {"hour": 2, "minute": 42}
